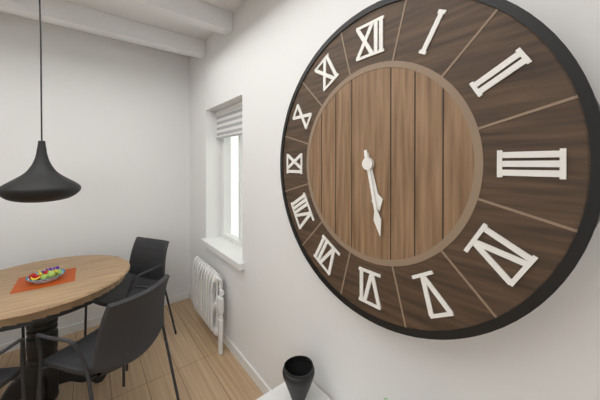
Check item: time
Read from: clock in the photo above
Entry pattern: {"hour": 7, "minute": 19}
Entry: {"hour": 5, "minute": 28}
